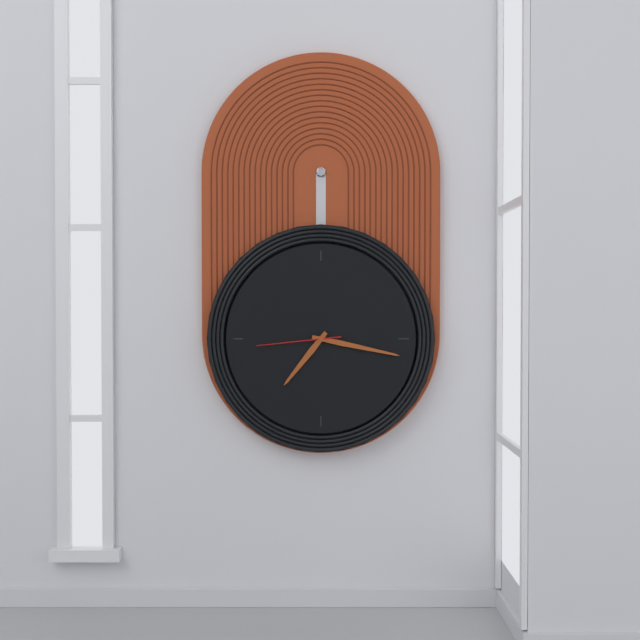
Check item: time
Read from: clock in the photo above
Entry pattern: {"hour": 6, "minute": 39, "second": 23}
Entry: {"hour": 7, "minute": 17, "second": 44}
